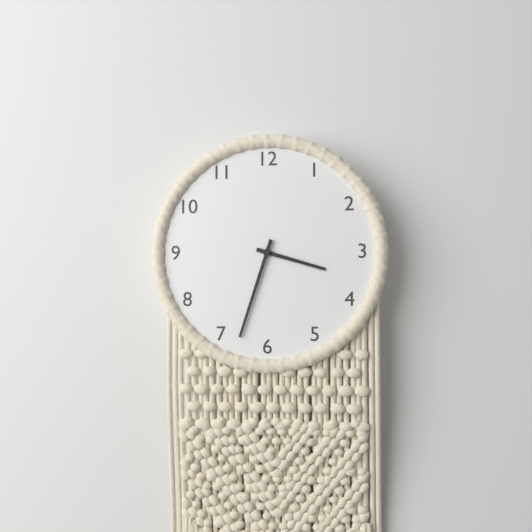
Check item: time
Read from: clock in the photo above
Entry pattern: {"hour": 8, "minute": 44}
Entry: {"hour": 3, "minute": 33}
